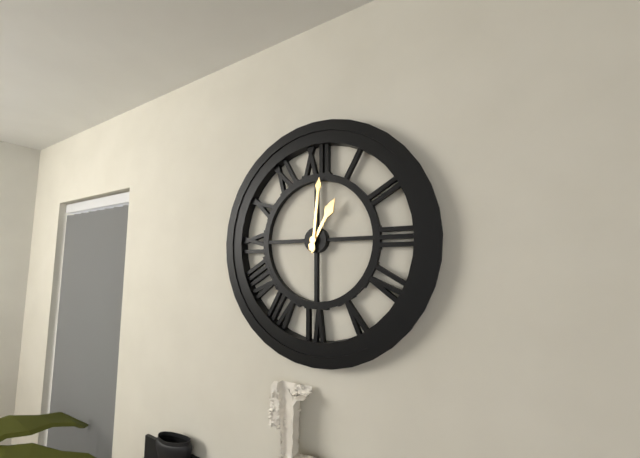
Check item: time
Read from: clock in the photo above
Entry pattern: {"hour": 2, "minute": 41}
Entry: {"hour": 1, "minute": 1}
